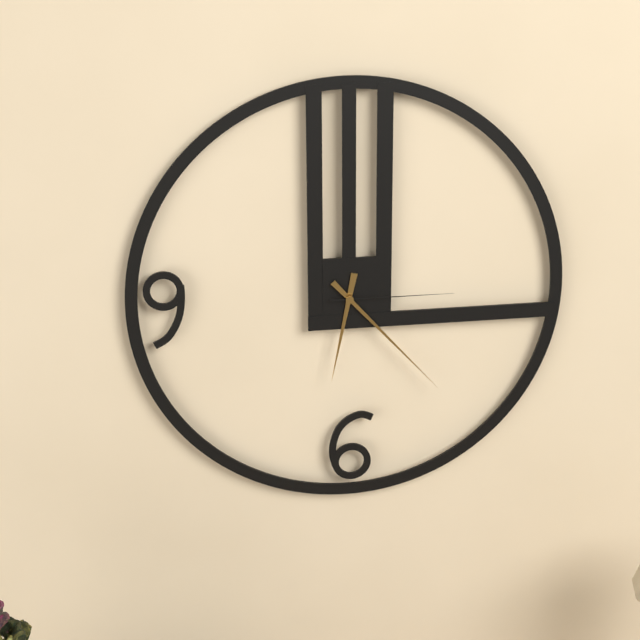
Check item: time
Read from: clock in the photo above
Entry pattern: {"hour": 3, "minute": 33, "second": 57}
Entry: {"hour": 6, "minute": 23, "second": 15}
